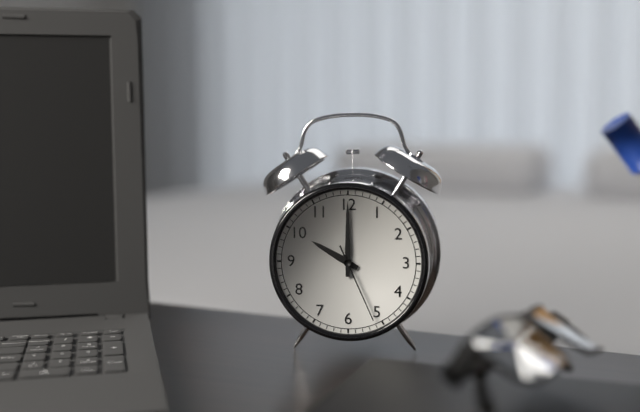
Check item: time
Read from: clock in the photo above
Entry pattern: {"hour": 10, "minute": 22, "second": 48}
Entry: {"hour": 10, "minute": 0, "second": 26}
